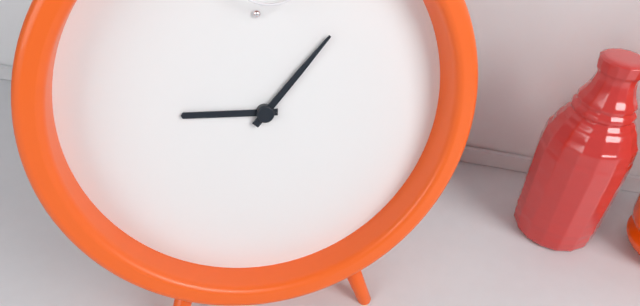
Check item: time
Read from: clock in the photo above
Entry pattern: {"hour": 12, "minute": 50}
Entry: {"hour": 9, "minute": 7}
